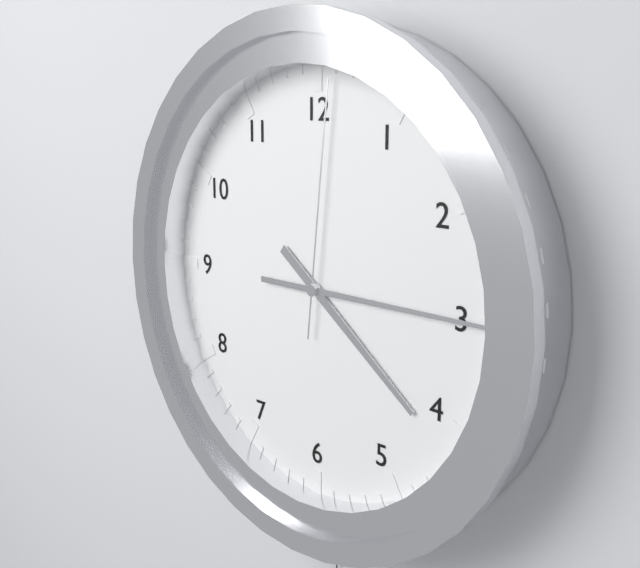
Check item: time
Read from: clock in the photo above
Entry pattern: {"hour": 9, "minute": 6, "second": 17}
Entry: {"hour": 4, "minute": 15, "second": 1}
